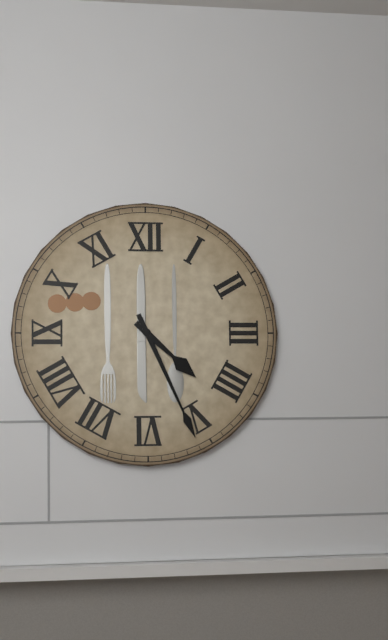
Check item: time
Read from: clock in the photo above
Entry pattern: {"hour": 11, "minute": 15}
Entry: {"hour": 4, "minute": 26}
